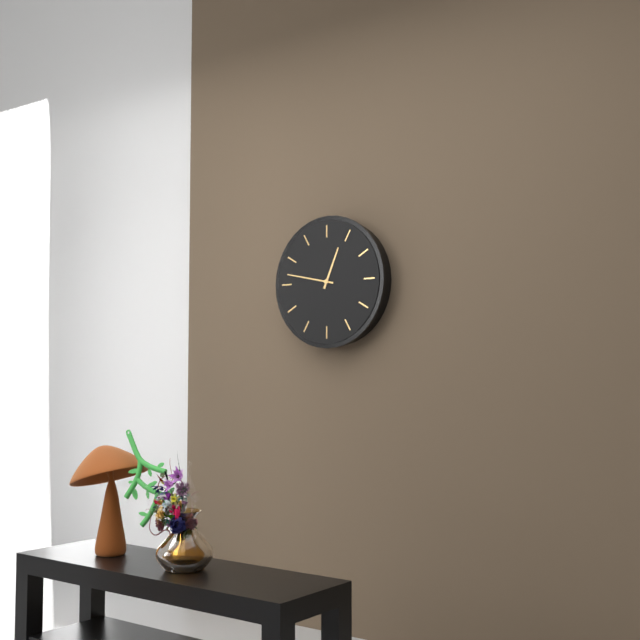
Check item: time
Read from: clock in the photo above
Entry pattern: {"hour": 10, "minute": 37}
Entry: {"hour": 12, "minute": 47}
